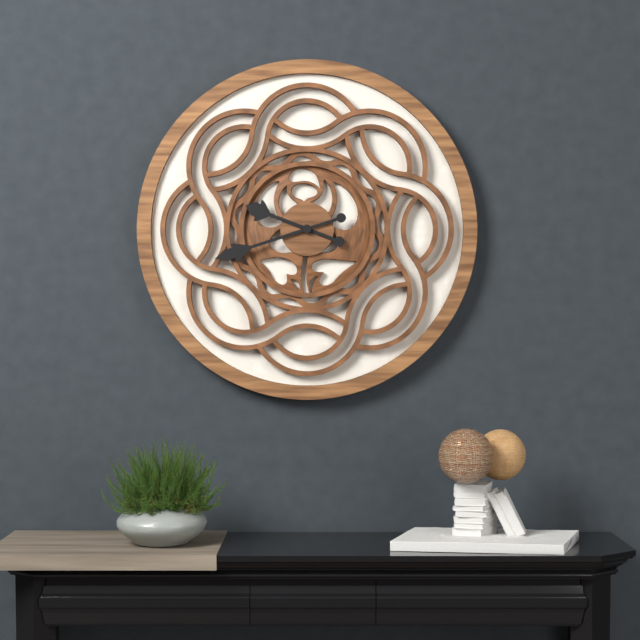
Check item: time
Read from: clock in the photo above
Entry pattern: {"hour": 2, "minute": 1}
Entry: {"hour": 9, "minute": 42}
